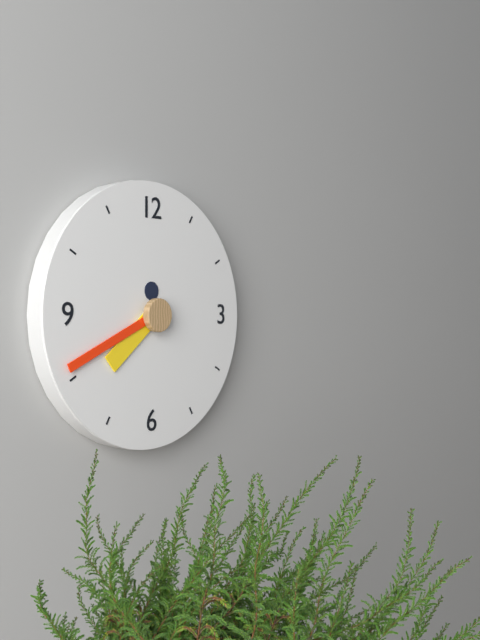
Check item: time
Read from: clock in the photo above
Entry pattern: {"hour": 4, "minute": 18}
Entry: {"hour": 7, "minute": 41}
